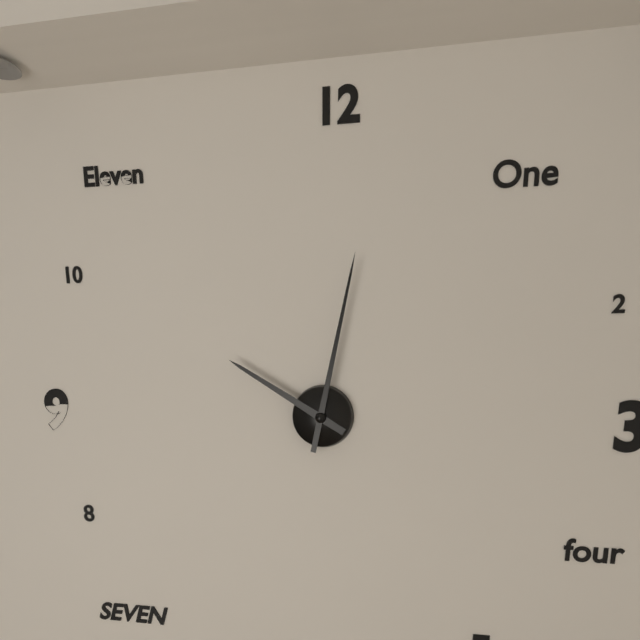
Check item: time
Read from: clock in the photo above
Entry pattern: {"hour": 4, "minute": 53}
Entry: {"hour": 10, "minute": 2}
